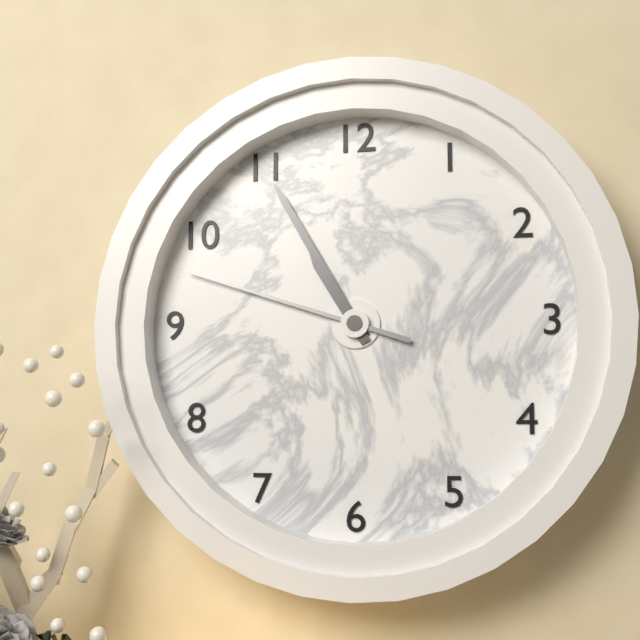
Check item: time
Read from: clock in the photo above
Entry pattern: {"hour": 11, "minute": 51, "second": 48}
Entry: {"hour": 10, "minute": 55, "second": 48}
